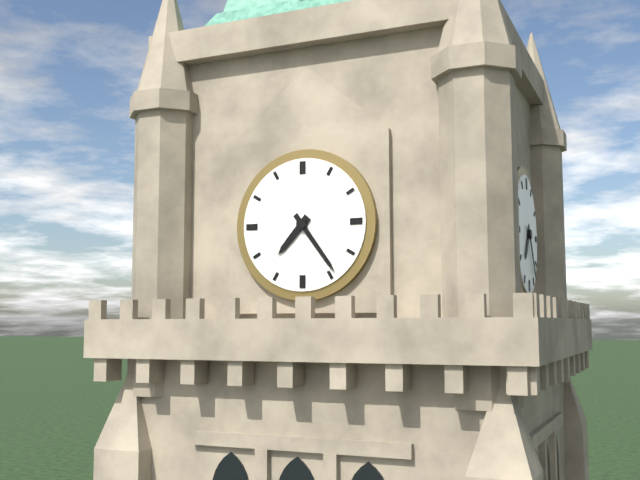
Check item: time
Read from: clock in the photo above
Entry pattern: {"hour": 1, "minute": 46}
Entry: {"hour": 7, "minute": 24}
